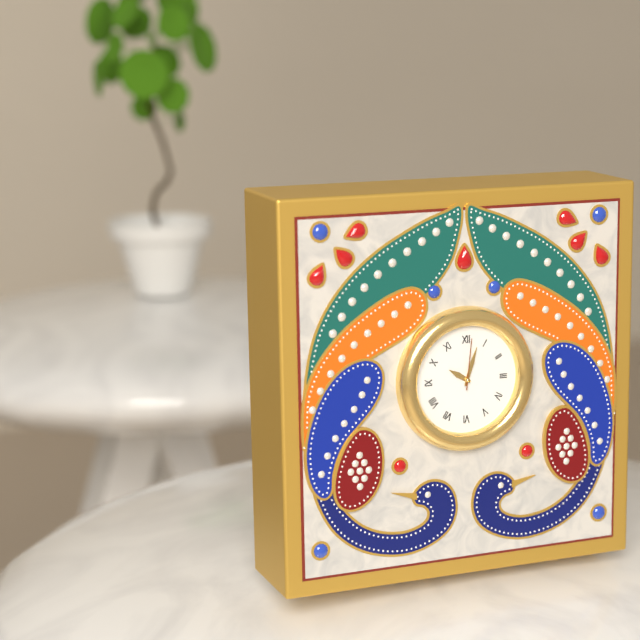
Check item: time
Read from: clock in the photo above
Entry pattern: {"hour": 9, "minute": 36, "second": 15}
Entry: {"hour": 10, "minute": 3, "second": 1}
